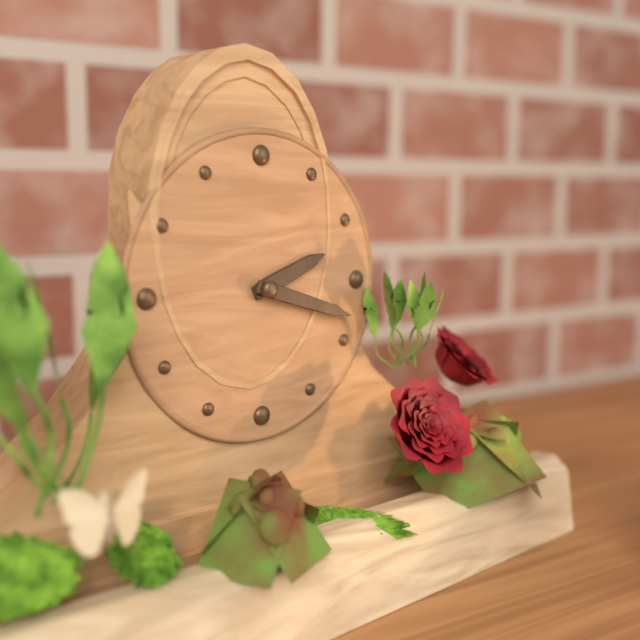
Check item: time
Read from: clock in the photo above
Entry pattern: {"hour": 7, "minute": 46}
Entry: {"hour": 2, "minute": 18}
